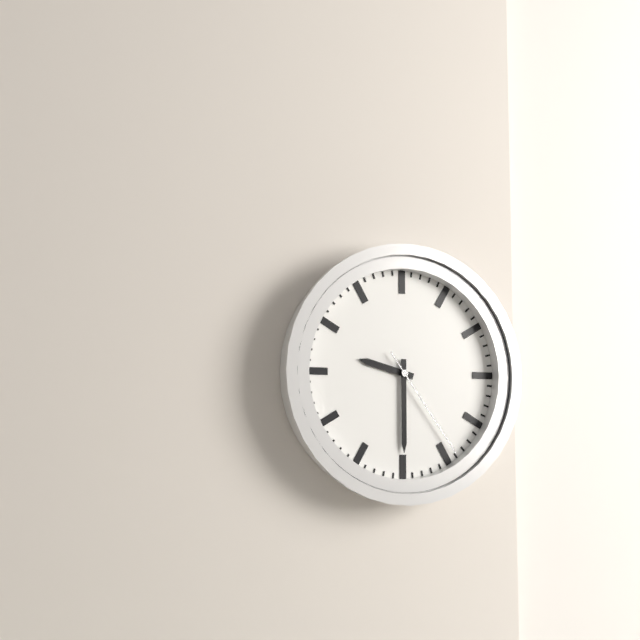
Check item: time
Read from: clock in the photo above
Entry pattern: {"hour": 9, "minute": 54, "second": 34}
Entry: {"hour": 9, "minute": 30, "second": 24}
